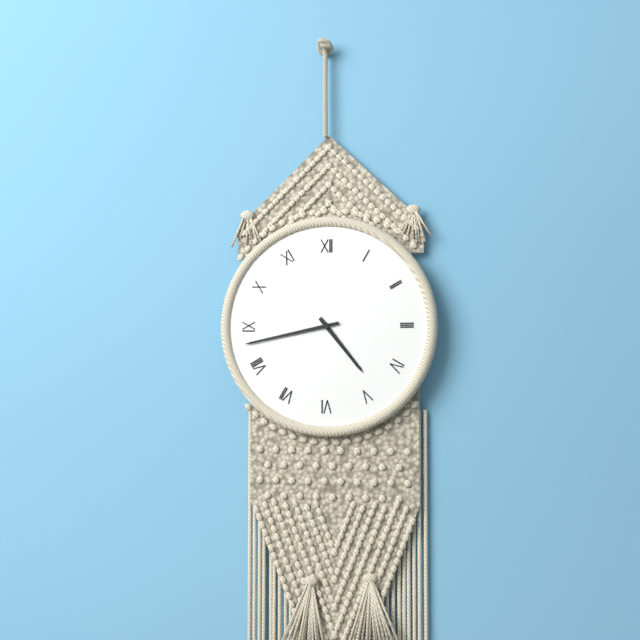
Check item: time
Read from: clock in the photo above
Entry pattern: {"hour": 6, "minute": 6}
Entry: {"hour": 4, "minute": 43}
